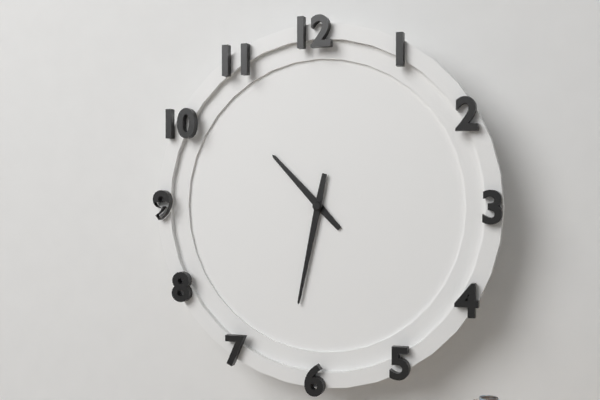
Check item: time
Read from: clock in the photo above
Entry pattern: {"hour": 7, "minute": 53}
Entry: {"hour": 10, "minute": 32}
